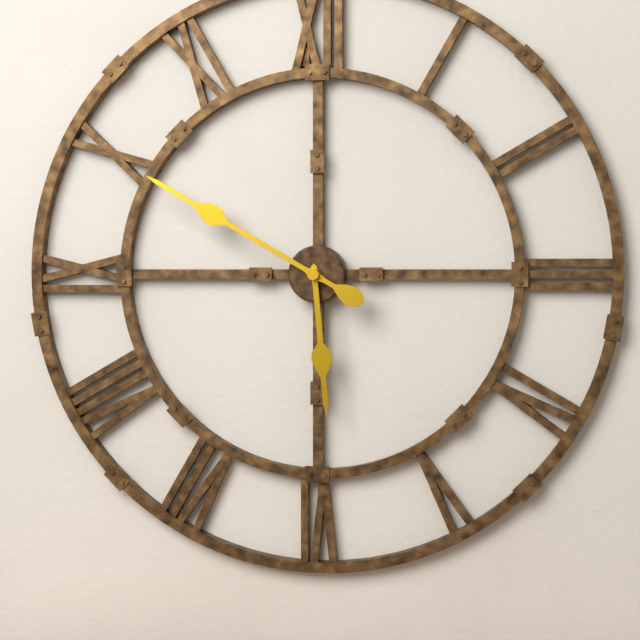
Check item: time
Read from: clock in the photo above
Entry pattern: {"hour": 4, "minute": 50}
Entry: {"hour": 5, "minute": 50}
